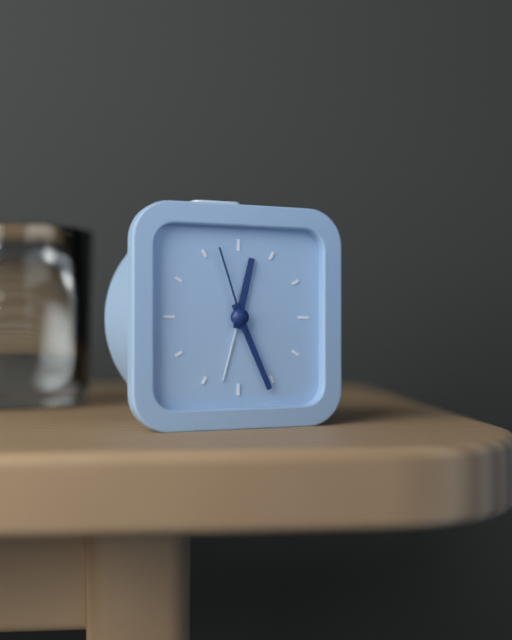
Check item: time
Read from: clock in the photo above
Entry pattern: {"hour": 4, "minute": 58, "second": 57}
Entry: {"hour": 12, "minute": 26, "second": 57}
